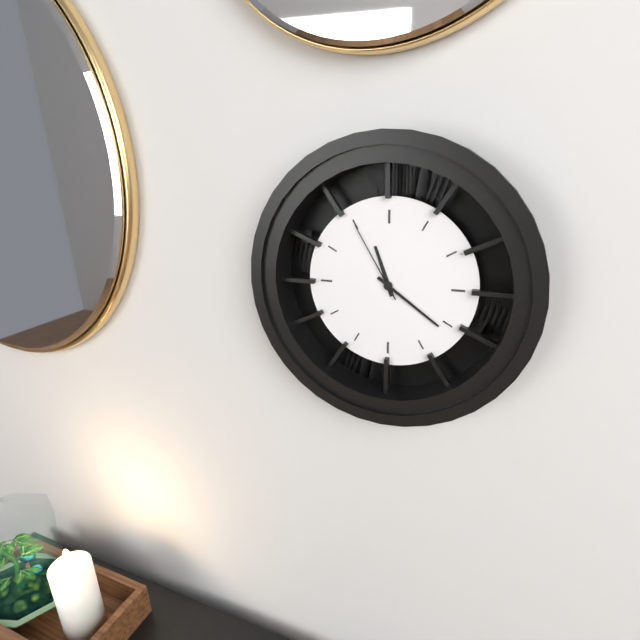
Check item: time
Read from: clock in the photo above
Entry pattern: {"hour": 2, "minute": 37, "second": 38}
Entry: {"hour": 11, "minute": 21, "second": 55}
